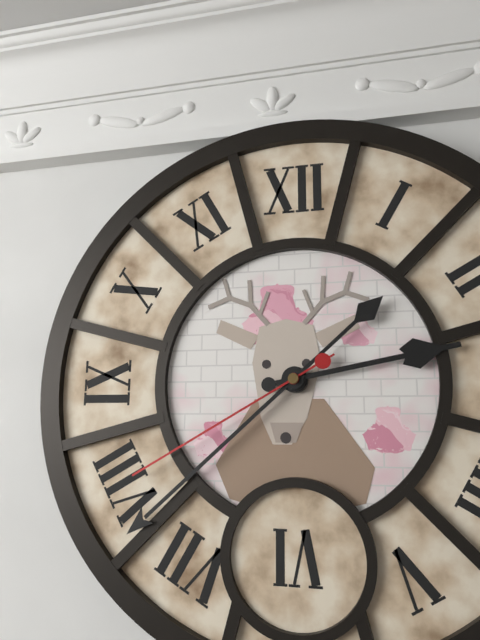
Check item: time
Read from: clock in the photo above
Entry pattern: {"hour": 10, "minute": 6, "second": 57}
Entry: {"hour": 2, "minute": 38, "second": 40}
